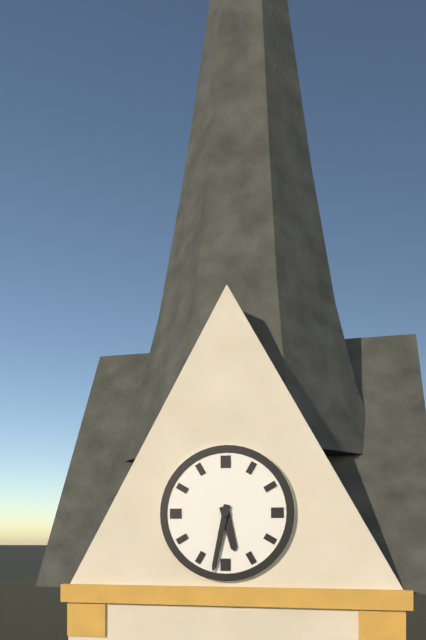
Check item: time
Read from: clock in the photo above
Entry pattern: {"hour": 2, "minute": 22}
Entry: {"hour": 5, "minute": 32}
